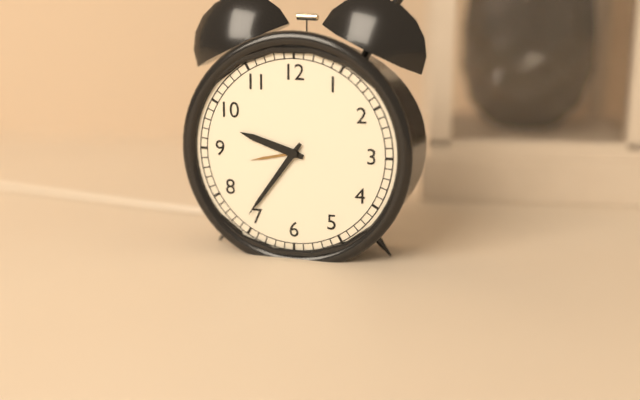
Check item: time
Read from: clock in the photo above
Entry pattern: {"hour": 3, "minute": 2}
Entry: {"hour": 9, "minute": 36}
